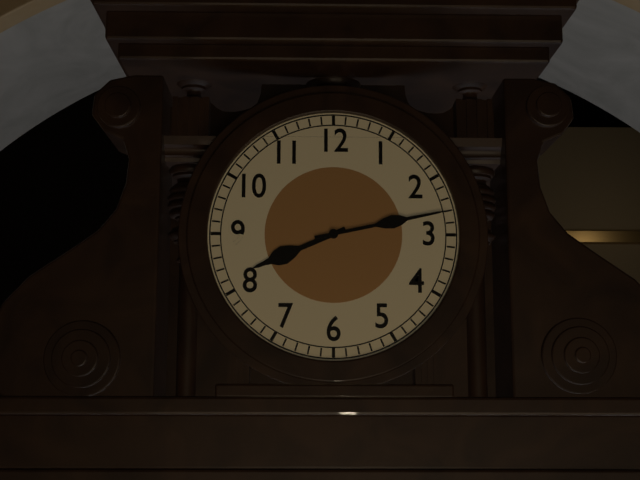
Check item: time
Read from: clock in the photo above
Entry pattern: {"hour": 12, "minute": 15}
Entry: {"hour": 8, "minute": 13}
